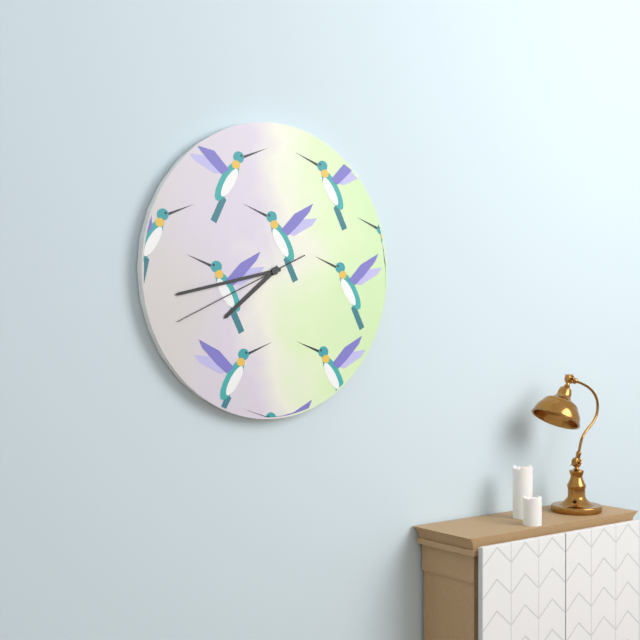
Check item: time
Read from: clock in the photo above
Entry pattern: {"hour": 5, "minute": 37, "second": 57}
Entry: {"hour": 7, "minute": 43, "second": 41}
